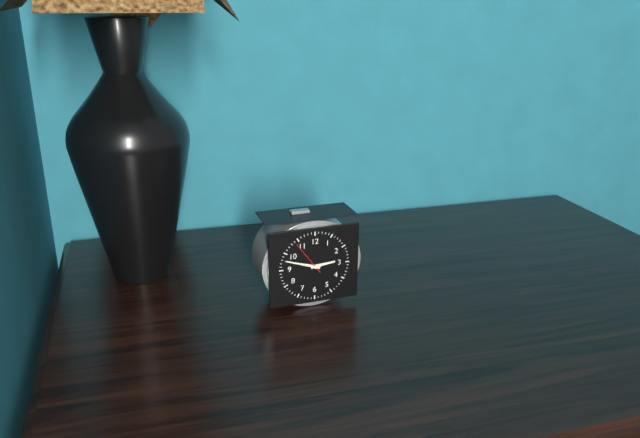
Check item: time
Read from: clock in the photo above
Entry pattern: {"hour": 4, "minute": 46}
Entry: {"hour": 2, "minute": 48}
